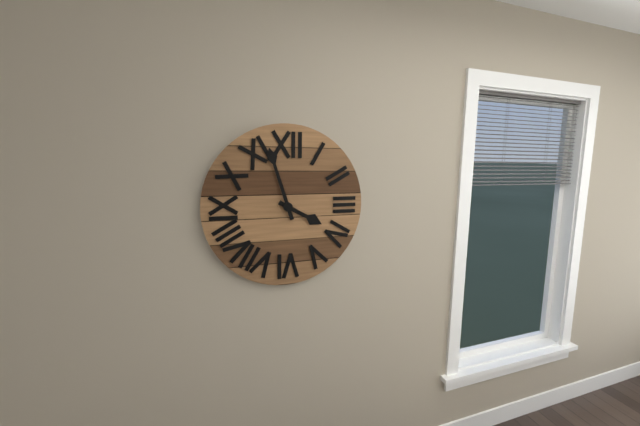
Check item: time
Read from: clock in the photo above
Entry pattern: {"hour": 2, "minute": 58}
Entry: {"hour": 3, "minute": 57}
